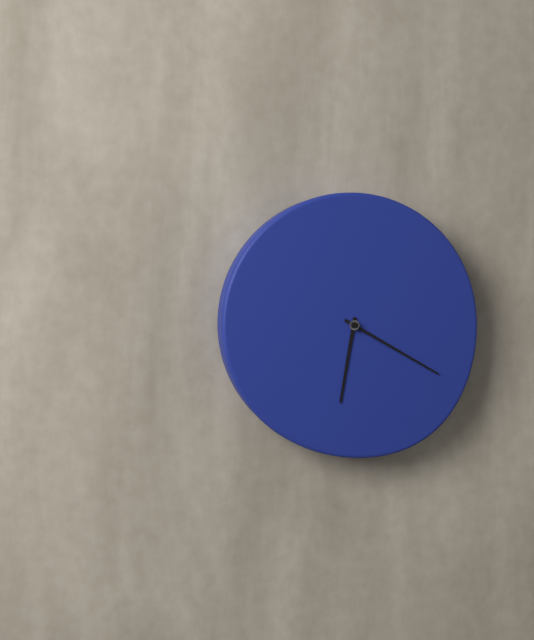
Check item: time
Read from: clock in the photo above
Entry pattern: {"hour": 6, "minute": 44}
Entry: {"hour": 6, "minute": 20}
